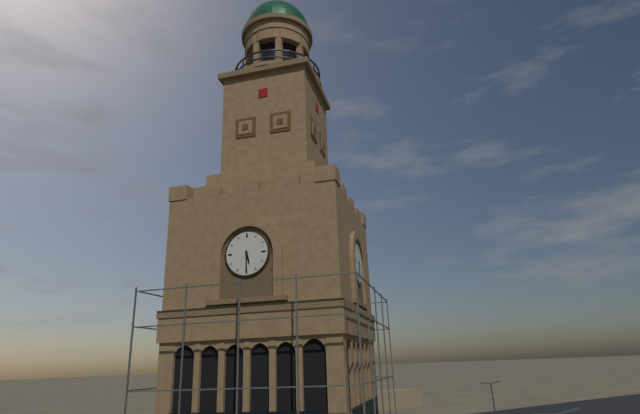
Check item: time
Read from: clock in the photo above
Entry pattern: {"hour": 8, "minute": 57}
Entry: {"hour": 5, "minute": 30}
